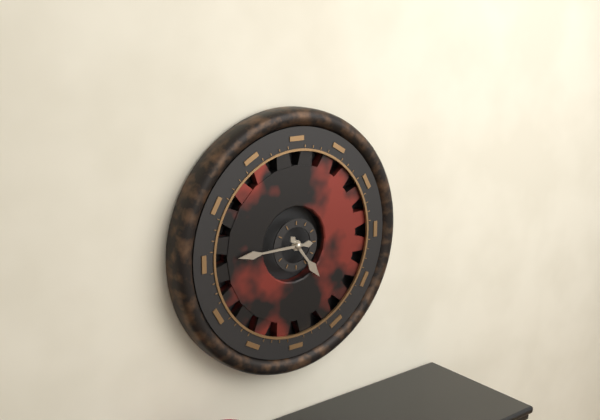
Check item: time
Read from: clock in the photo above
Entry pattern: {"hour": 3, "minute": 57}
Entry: {"hour": 4, "minute": 45}
